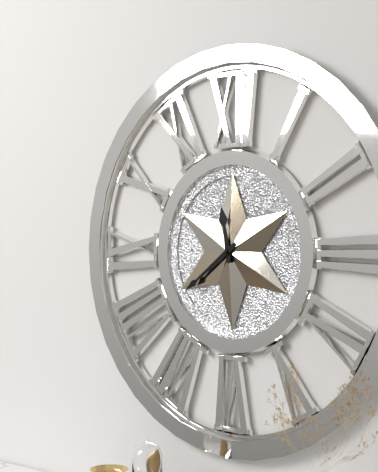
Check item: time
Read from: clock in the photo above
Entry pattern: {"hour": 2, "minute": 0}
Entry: {"hour": 11, "minute": 39}
